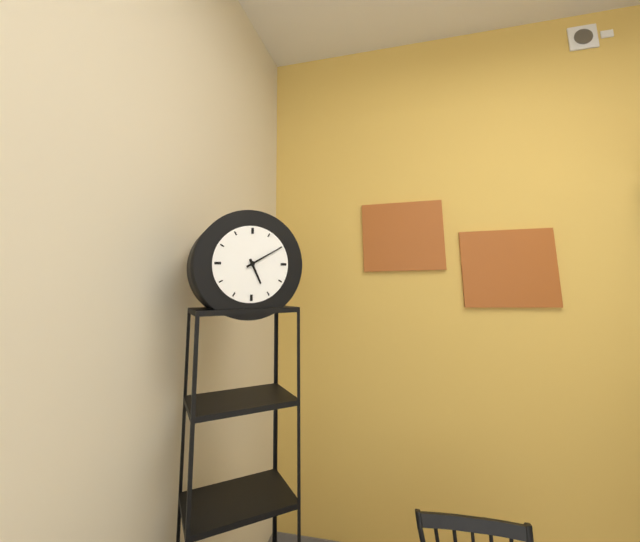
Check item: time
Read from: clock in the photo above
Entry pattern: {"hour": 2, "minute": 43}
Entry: {"hour": 5, "minute": 10}
